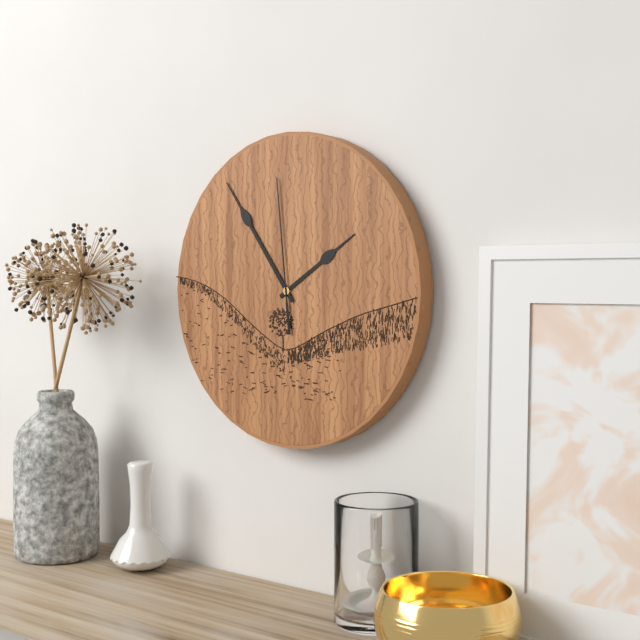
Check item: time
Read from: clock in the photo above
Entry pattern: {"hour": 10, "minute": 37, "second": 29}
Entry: {"hour": 1, "minute": 54, "second": 59}
